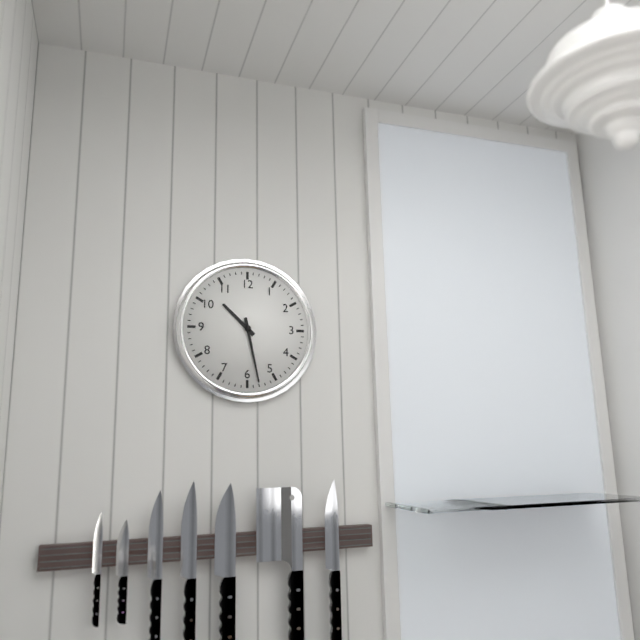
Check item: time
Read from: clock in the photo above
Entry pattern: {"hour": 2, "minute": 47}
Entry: {"hour": 10, "minute": 28}
